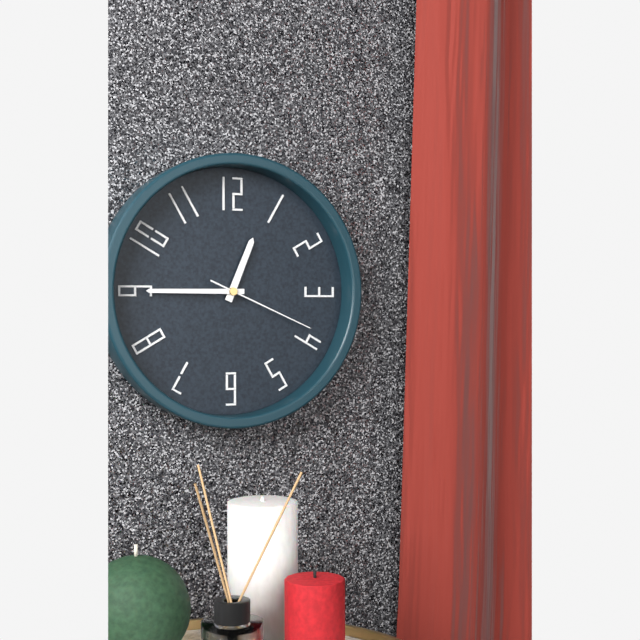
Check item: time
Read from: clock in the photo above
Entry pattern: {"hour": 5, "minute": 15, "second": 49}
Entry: {"hour": 12, "minute": 45, "second": 19}
